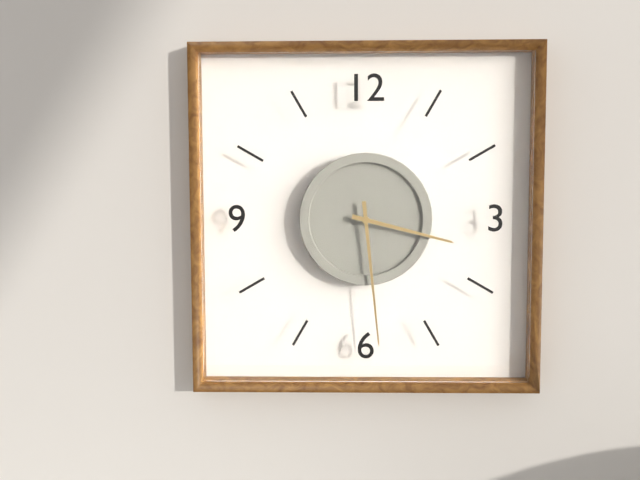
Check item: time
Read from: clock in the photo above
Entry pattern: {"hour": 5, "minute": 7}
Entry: {"hour": 3, "minute": 29}
